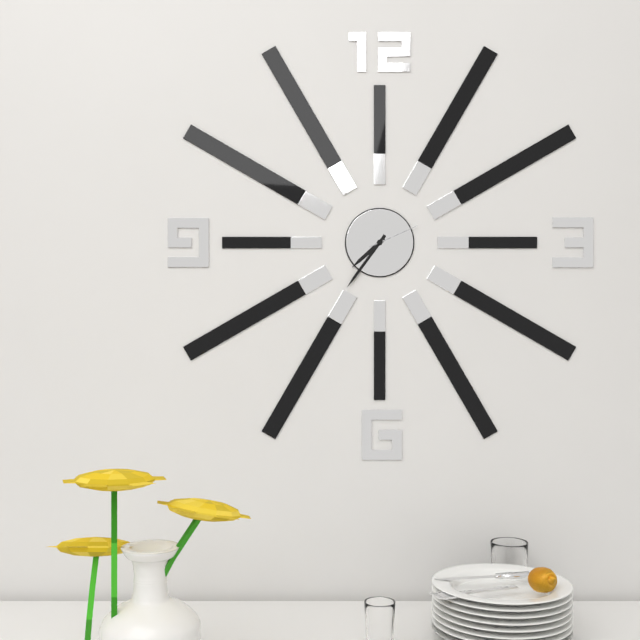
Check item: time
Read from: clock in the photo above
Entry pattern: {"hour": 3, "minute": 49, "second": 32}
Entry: {"hour": 7, "minute": 36, "second": 11}
